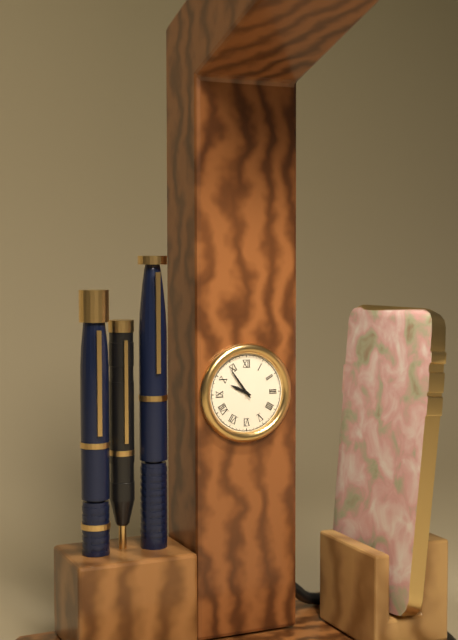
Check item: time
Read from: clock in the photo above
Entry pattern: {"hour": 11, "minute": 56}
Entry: {"hour": 9, "minute": 54}
